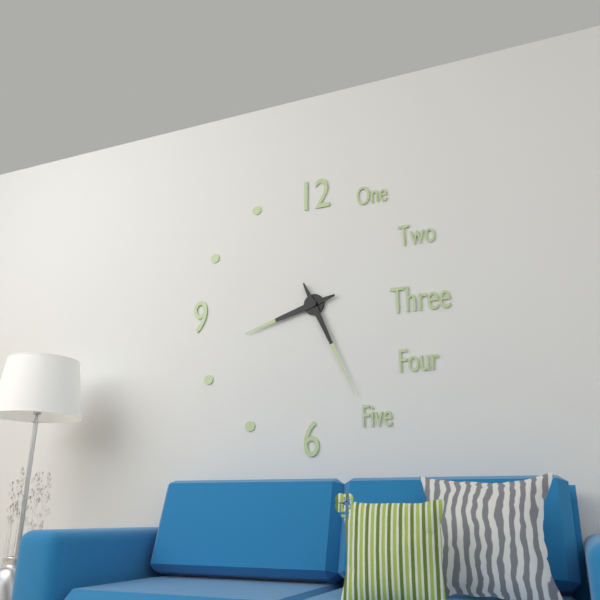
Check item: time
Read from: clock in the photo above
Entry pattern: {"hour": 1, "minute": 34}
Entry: {"hour": 8, "minute": 26}
